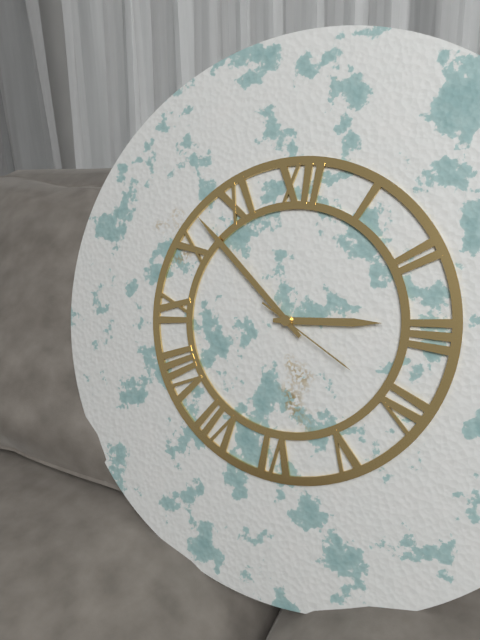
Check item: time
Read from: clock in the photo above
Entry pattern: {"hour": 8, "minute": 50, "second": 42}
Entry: {"hour": 2, "minute": 52, "second": 20}
